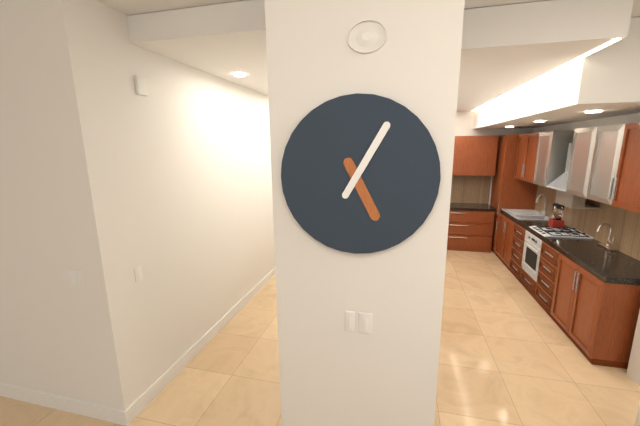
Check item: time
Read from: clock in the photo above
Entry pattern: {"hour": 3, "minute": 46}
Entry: {"hour": 5, "minute": 5}
